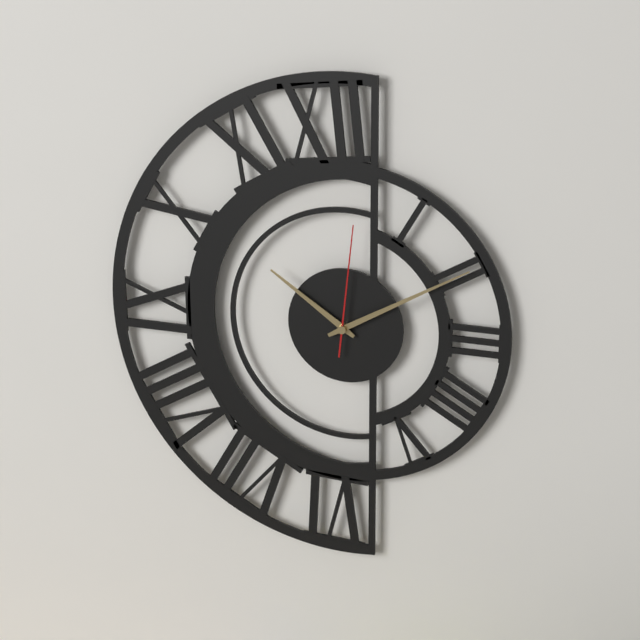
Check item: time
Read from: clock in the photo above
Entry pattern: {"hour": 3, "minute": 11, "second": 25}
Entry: {"hour": 10, "minute": 10, "second": 1}
